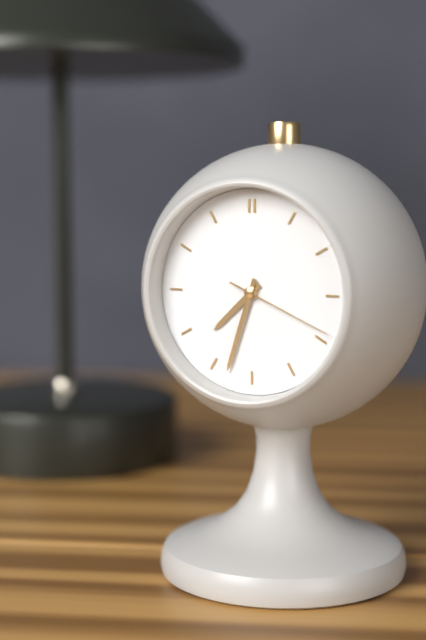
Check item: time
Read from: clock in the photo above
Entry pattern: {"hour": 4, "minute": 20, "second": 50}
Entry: {"hour": 7, "minute": 33, "second": 19}
